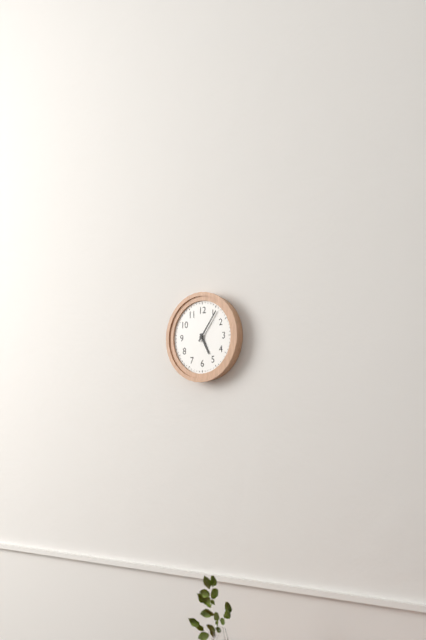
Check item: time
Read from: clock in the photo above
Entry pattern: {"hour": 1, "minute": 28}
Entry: {"hour": 5, "minute": 6}
